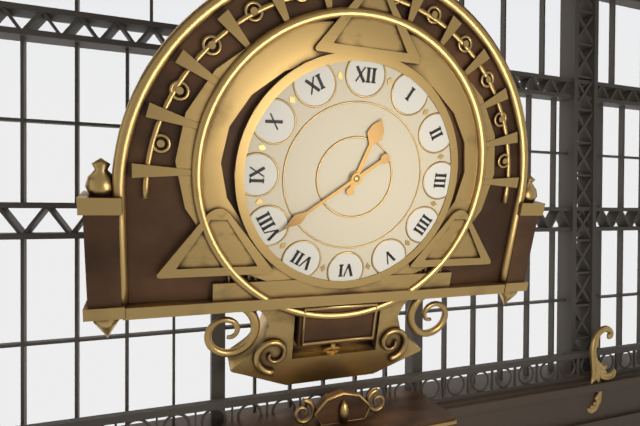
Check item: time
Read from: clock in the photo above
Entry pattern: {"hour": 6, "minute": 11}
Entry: {"hour": 12, "minute": 39}
